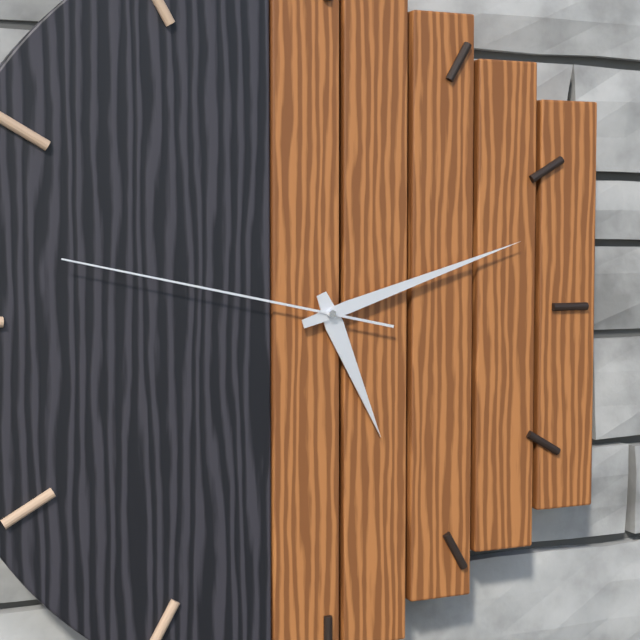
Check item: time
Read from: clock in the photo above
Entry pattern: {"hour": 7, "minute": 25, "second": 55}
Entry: {"hour": 5, "minute": 12, "second": 47}
